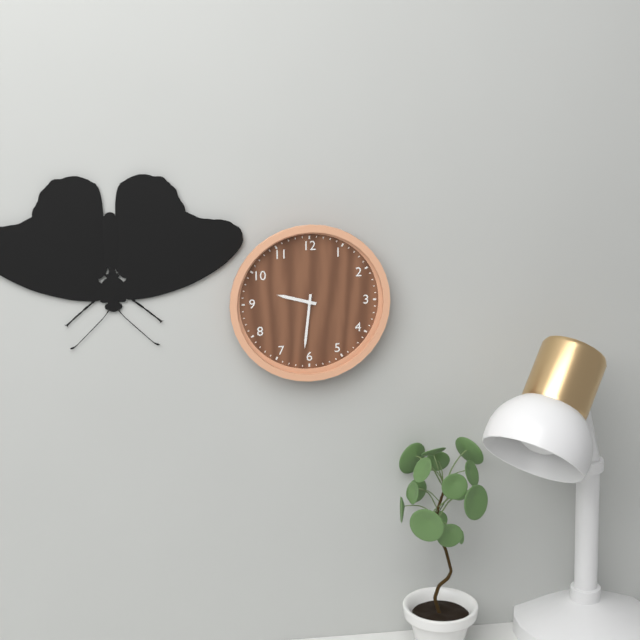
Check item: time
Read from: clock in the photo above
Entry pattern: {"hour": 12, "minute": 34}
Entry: {"hour": 9, "minute": 31}
